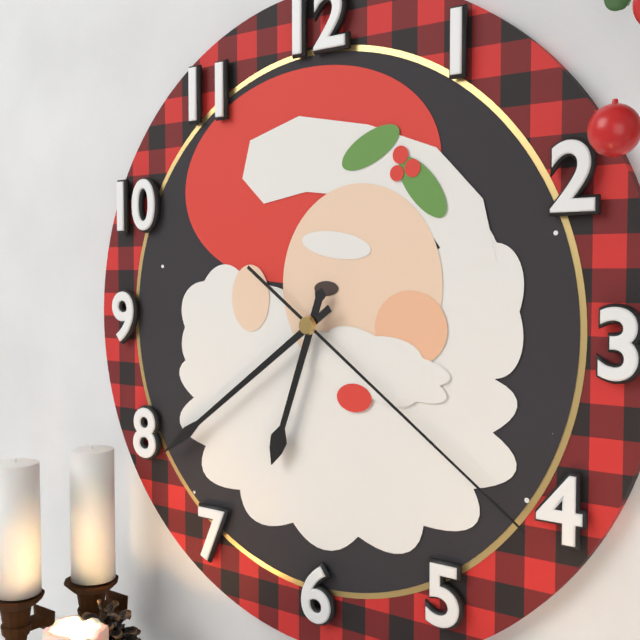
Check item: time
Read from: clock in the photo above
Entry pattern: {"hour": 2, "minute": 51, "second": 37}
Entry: {"hour": 6, "minute": 39, "second": 21}
